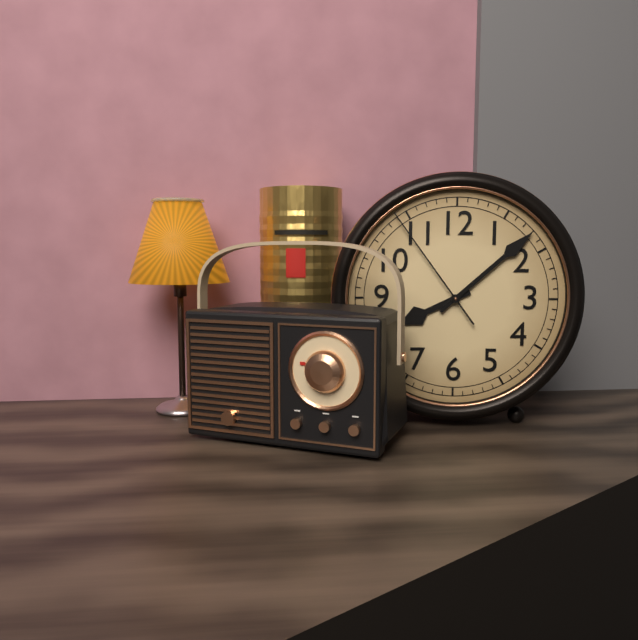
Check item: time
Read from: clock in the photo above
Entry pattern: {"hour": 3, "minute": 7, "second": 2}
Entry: {"hour": 8, "minute": 8, "second": 54}
